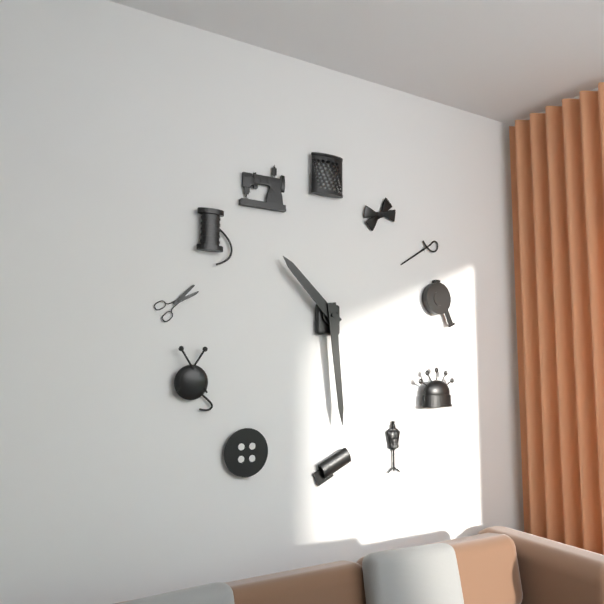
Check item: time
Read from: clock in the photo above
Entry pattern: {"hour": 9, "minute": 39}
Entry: {"hour": 10, "minute": 29}
